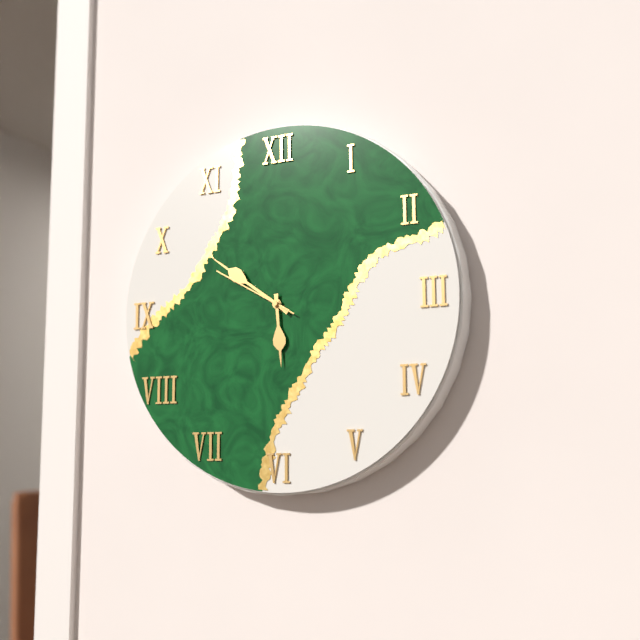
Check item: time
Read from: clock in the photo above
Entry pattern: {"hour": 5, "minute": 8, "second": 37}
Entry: {"hour": 5, "minute": 51, "second": 50}
